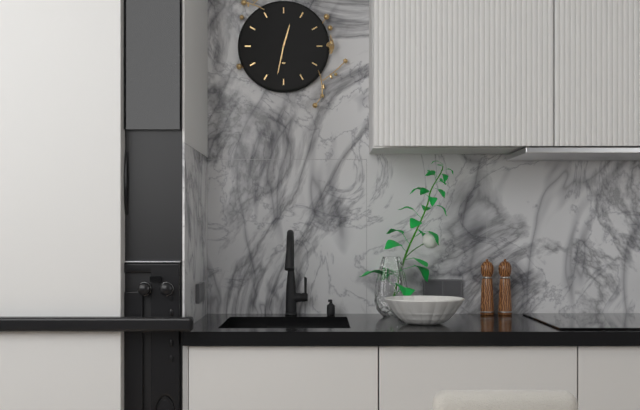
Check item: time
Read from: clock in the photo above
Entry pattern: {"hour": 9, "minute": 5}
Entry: {"hour": 12, "minute": 32}
